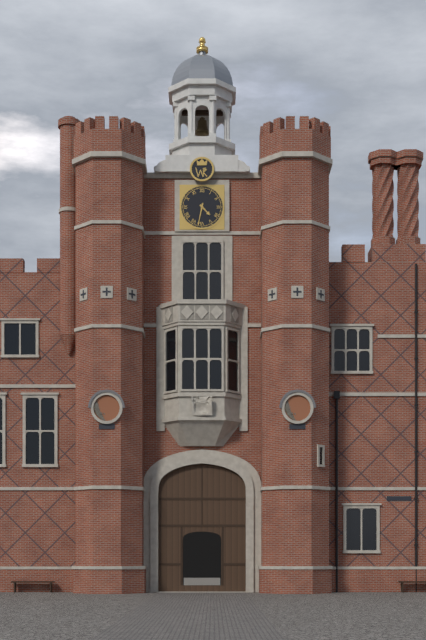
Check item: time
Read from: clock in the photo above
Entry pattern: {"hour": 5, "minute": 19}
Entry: {"hour": 4, "minute": 32}
